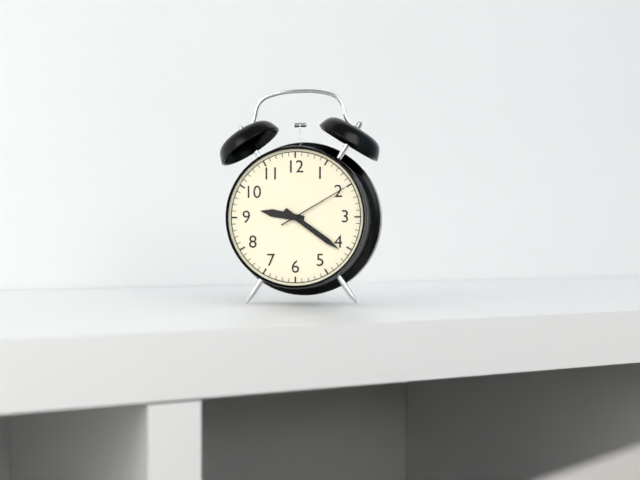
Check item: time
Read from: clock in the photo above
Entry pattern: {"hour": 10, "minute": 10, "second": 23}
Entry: {"hour": 9, "minute": 21, "second": 10}
